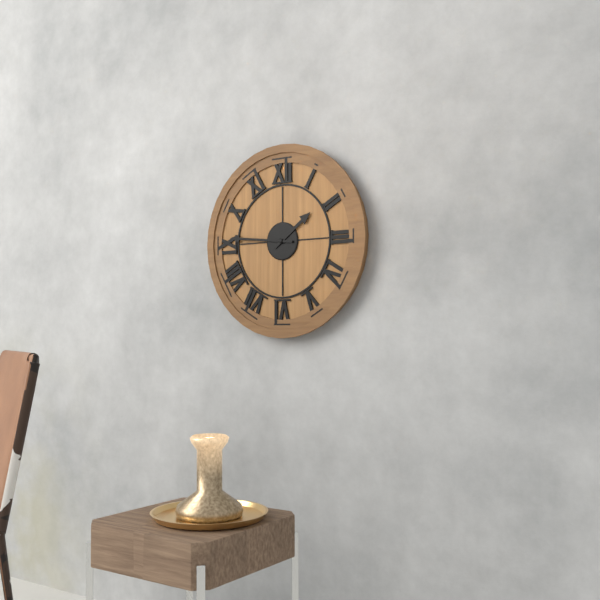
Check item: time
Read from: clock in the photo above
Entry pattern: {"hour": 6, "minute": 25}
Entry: {"hour": 1, "minute": 46}
